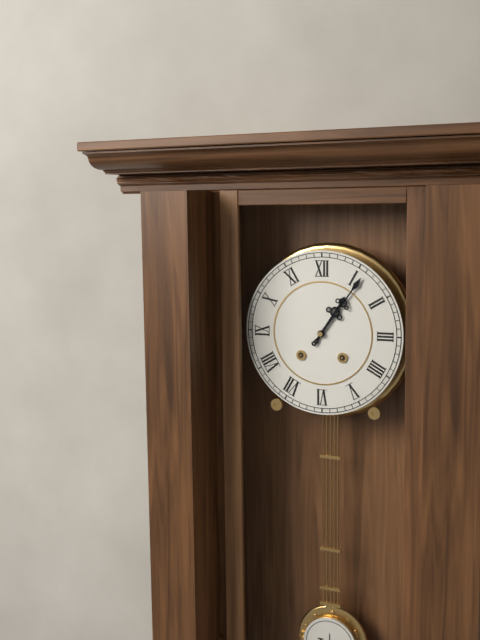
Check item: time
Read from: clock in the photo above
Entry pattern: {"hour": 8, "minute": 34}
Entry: {"hour": 1, "minute": 6}
